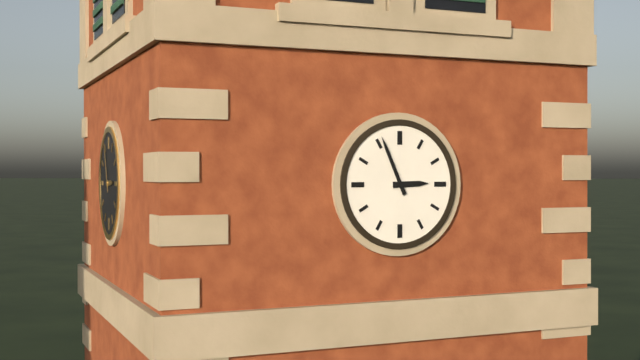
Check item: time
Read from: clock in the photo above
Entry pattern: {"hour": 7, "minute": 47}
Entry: {"hour": 2, "minute": 56}
